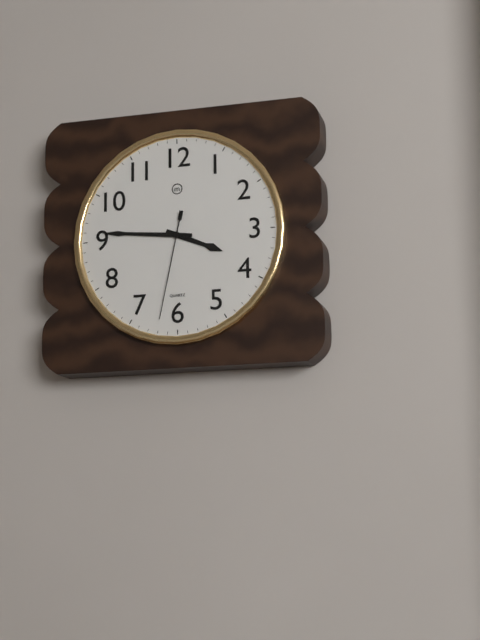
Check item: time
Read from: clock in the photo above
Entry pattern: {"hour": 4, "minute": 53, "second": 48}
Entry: {"hour": 3, "minute": 46, "second": 32}
